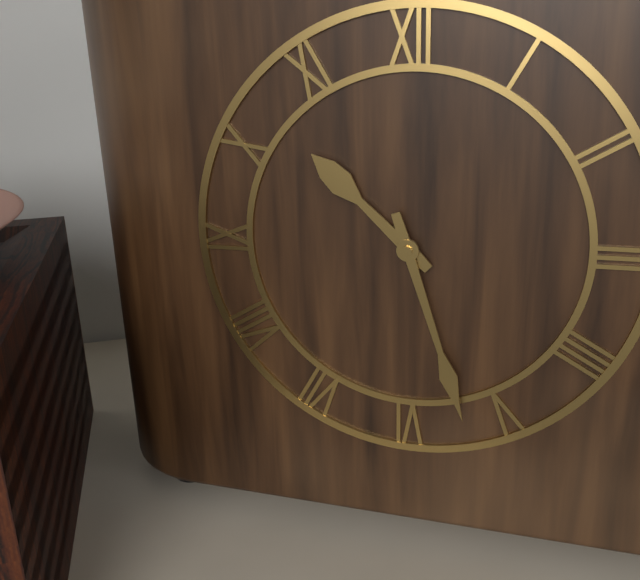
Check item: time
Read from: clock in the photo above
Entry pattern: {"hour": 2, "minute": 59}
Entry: {"hour": 10, "minute": 27}
